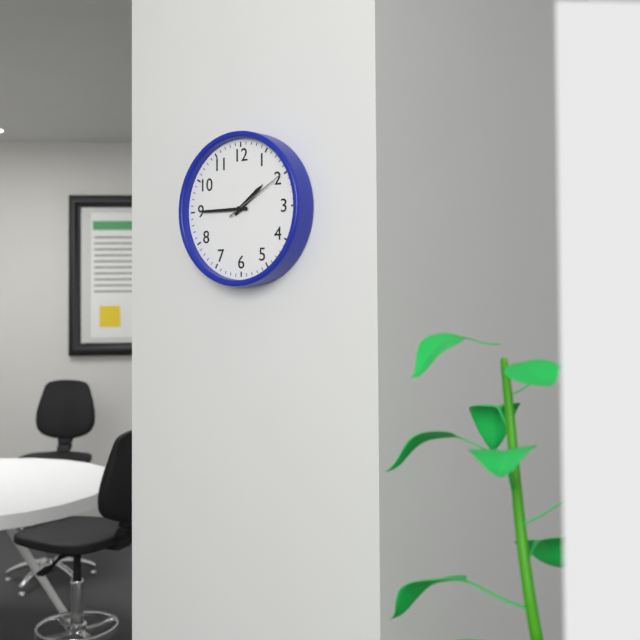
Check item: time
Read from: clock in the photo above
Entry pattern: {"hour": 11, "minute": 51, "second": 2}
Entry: {"hour": 1, "minute": 45, "second": 10}
